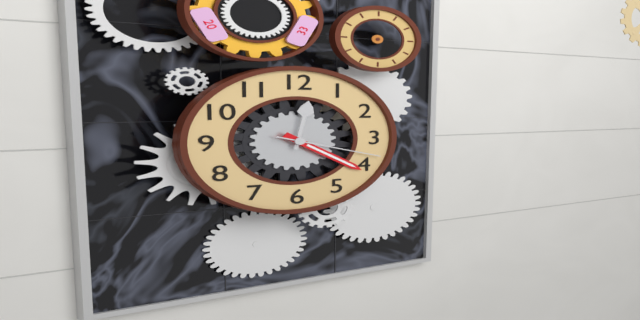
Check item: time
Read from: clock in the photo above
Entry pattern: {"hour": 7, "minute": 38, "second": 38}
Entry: {"hour": 12, "minute": 21, "second": 18}
